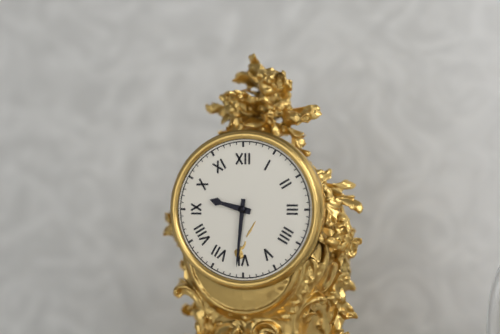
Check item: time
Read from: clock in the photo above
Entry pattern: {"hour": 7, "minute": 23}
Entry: {"hour": 9, "minute": 31}
